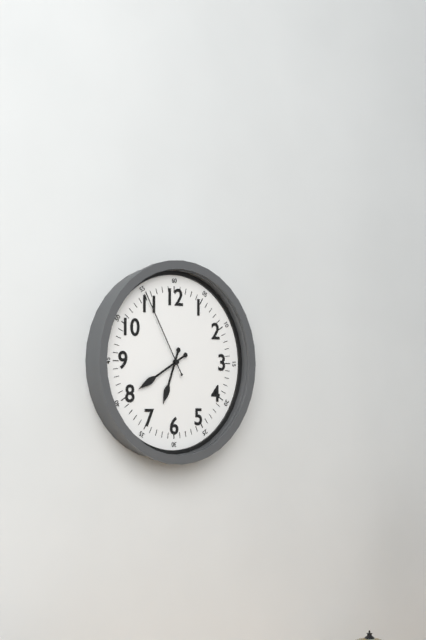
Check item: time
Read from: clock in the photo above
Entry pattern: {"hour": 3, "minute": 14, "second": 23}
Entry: {"hour": 6, "minute": 40, "second": 55}
